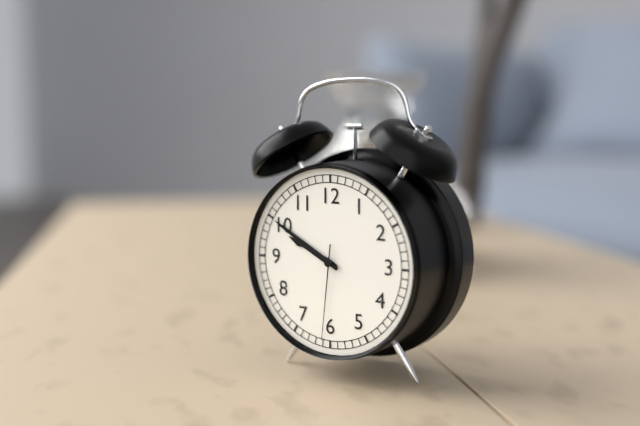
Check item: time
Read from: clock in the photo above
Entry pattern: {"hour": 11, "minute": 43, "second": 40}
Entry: {"hour": 9, "minute": 50, "second": 31}
